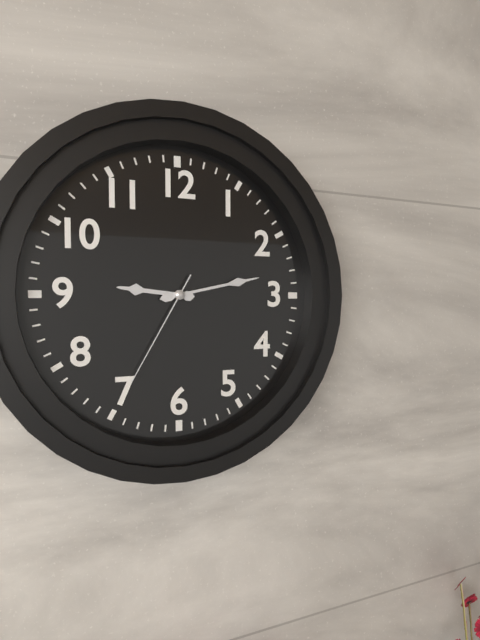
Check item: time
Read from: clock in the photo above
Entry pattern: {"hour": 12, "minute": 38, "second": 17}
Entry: {"hour": 9, "minute": 13, "second": 35}
